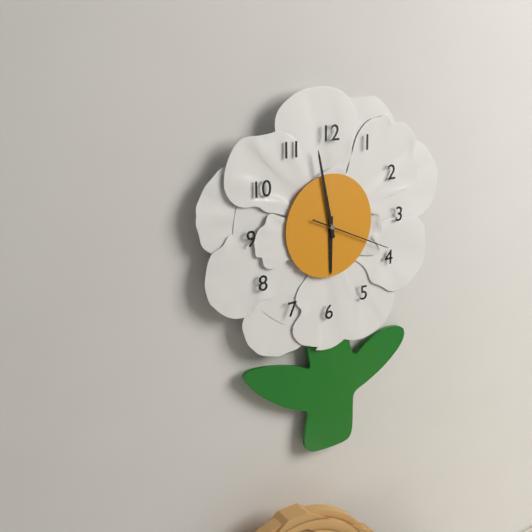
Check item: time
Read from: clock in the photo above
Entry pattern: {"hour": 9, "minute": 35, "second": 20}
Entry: {"hour": 5, "minute": 58, "second": 19}
